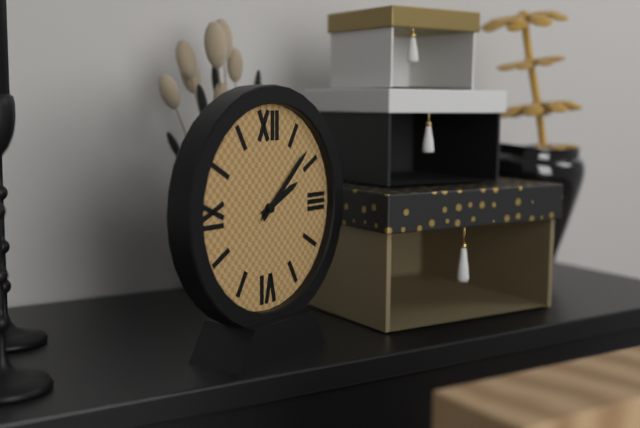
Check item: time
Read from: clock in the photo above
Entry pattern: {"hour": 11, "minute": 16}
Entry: {"hour": 2, "minute": 8}
